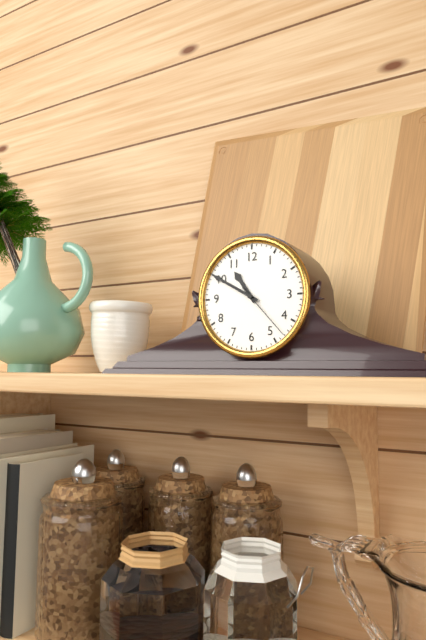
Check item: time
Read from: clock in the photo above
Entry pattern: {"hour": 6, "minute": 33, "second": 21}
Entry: {"hour": 10, "minute": 50, "second": 23}
